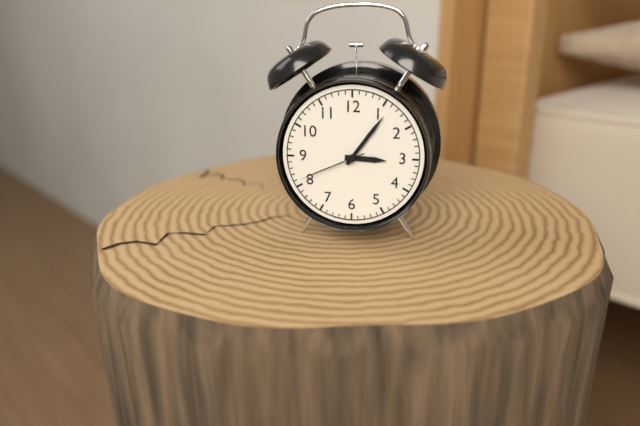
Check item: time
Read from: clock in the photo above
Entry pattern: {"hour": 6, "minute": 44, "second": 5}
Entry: {"hour": 3, "minute": 6, "second": 41}
